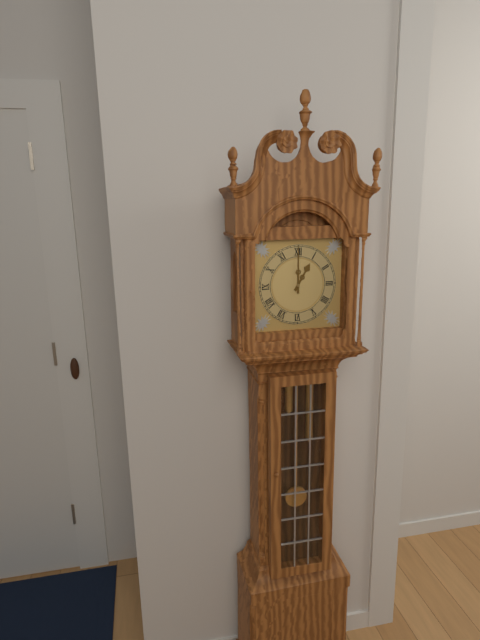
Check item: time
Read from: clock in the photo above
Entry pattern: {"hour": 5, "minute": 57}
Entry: {"hour": 1, "minute": 0}
